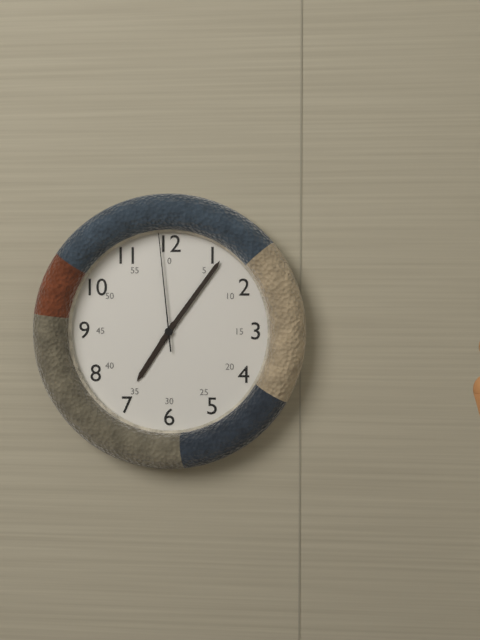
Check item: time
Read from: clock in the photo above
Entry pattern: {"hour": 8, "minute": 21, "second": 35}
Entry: {"hour": 7, "minute": 6, "second": 59}
